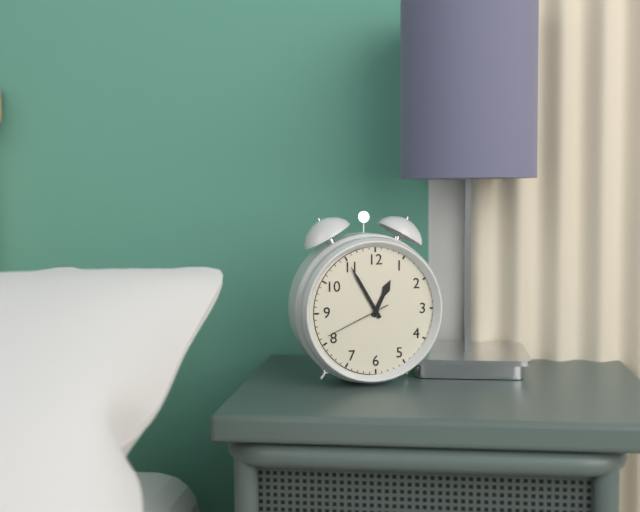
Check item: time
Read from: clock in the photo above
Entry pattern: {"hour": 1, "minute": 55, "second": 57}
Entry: {"hour": 12, "minute": 55, "second": 41}
